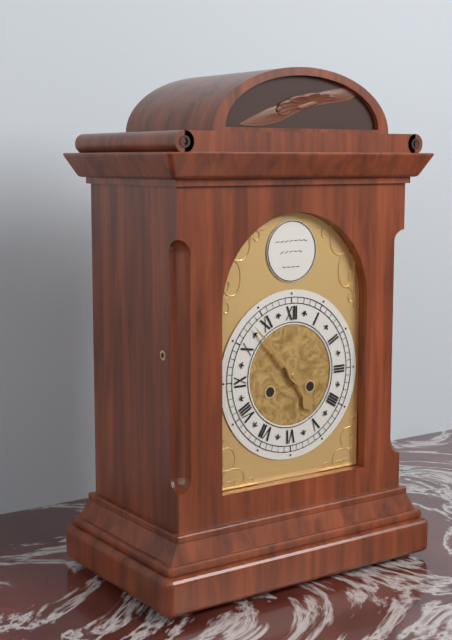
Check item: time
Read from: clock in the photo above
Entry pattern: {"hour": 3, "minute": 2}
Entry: {"hour": 4, "minute": 53}
